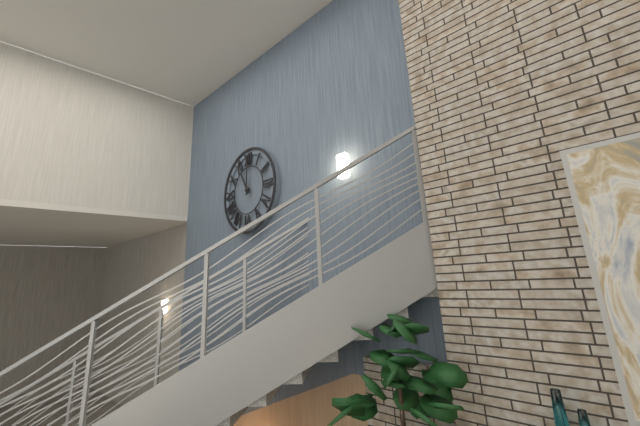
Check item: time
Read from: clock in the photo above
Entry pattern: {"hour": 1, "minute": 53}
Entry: {"hour": 11, "minute": 0}
